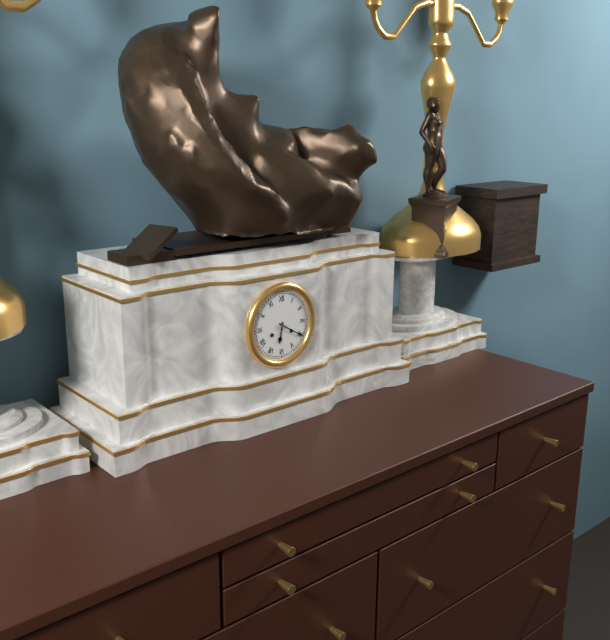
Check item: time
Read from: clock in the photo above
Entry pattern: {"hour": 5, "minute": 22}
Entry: {"hour": 6, "minute": 20}
